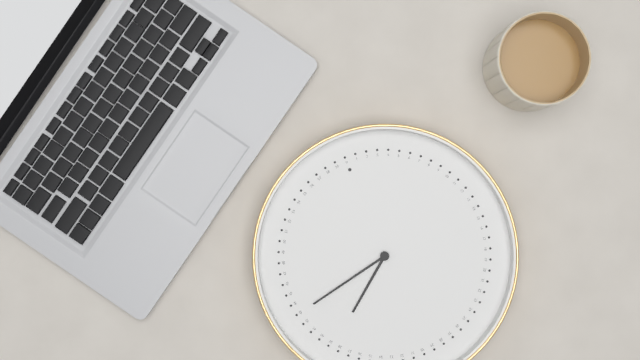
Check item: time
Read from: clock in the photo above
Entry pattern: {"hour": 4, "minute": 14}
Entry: {"hour": 7, "minute": 43}
